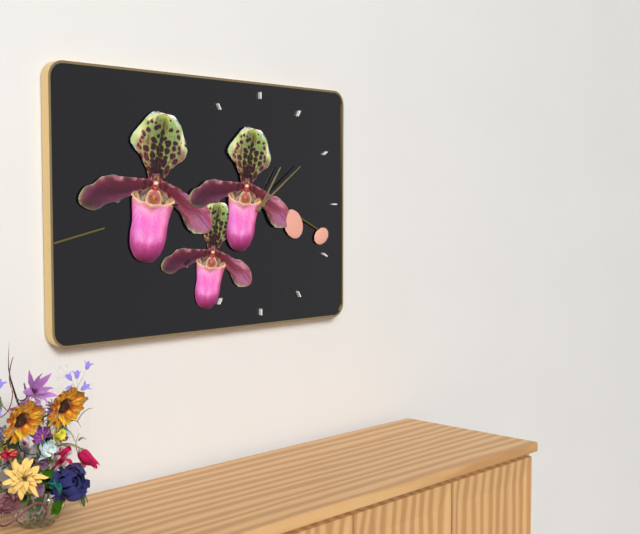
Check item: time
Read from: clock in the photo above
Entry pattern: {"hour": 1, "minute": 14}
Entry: {"hour": 1, "minute": 9}
